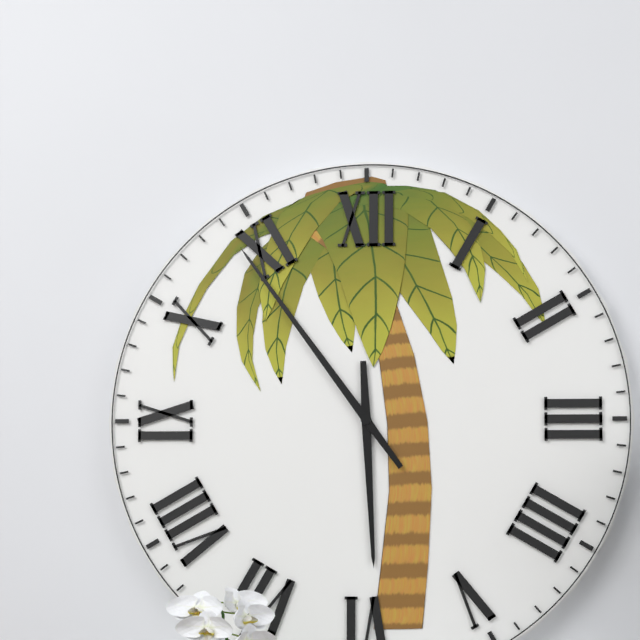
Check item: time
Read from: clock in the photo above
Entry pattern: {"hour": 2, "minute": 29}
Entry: {"hour": 5, "minute": 54}
